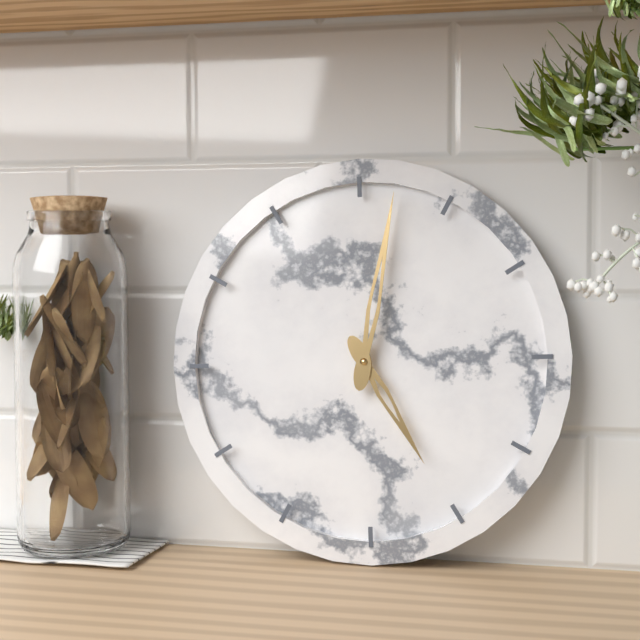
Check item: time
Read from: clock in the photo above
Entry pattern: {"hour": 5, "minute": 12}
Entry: {"hour": 5, "minute": 2}
